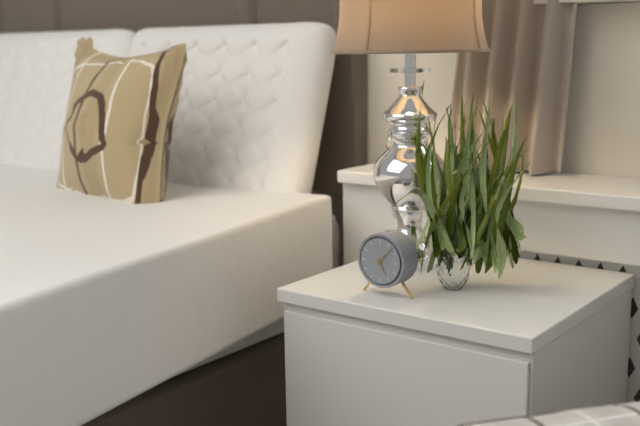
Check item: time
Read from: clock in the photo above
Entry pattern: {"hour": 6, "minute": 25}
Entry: {"hour": 5, "minute": 7}
